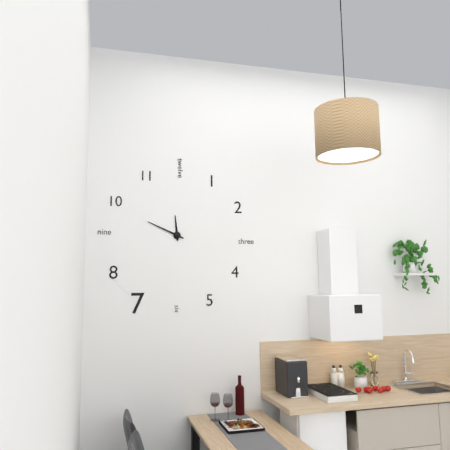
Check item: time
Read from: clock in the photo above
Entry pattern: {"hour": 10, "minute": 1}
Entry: {"hour": 11, "minute": 49}
